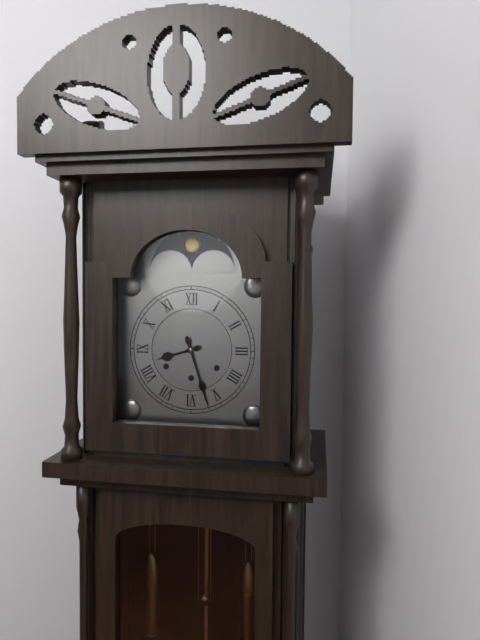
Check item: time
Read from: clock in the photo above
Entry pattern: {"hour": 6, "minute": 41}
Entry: {"hour": 8, "minute": 27}
